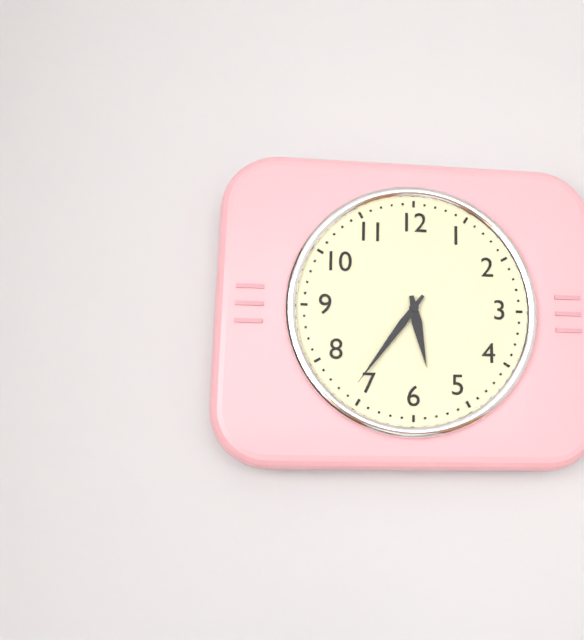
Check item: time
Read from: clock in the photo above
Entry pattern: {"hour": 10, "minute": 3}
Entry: {"hour": 5, "minute": 36}
